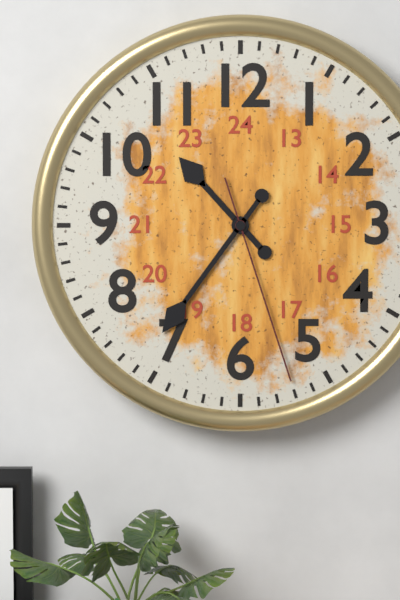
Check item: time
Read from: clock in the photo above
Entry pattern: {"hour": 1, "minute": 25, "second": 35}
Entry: {"hour": 10, "minute": 36, "second": 27}
